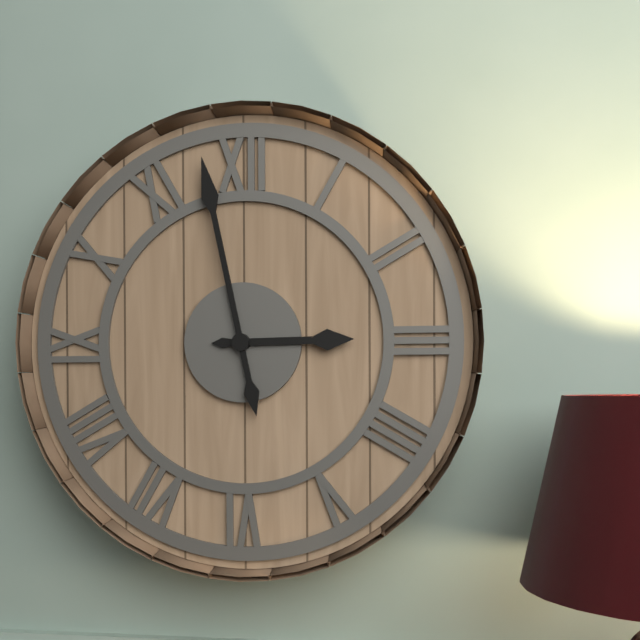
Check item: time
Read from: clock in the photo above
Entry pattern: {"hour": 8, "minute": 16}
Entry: {"hour": 2, "minute": 58}
